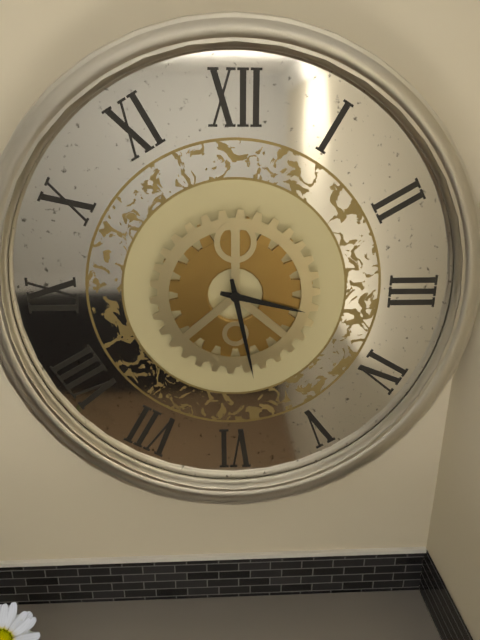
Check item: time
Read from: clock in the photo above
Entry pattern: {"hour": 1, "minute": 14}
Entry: {"hour": 3, "minute": 28}
